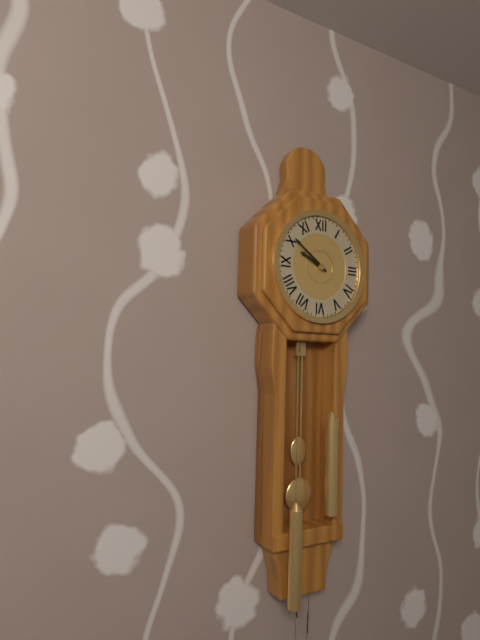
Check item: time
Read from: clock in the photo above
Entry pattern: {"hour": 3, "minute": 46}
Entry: {"hour": 9, "minute": 51}
